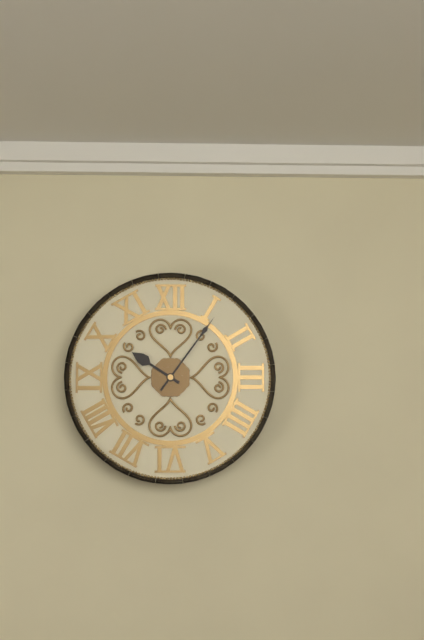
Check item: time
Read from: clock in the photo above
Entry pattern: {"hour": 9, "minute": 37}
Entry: {"hour": 10, "minute": 6}
